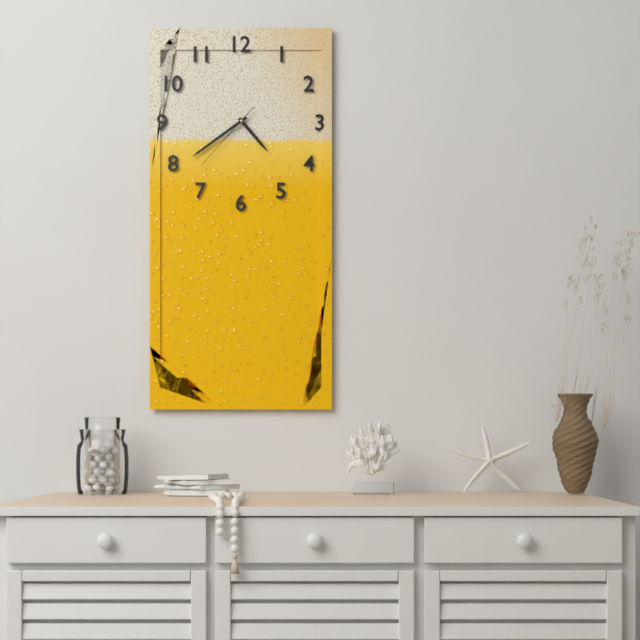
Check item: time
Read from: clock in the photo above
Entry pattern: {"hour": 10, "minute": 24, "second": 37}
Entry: {"hour": 4, "minute": 39, "second": 37}
